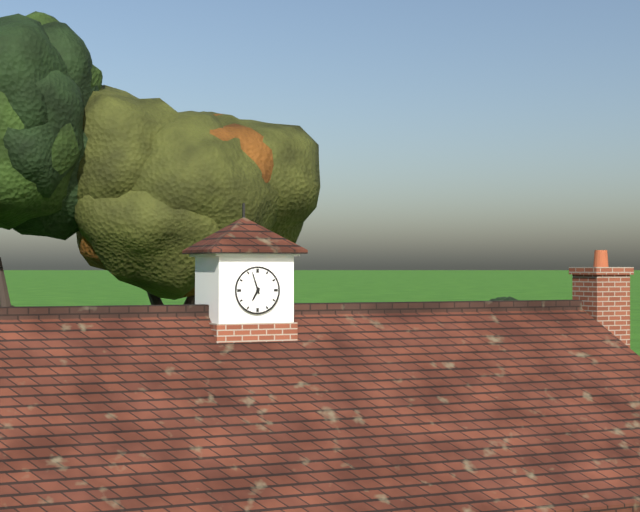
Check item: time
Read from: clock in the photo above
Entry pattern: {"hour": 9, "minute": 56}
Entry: {"hour": 6, "minute": 57}
